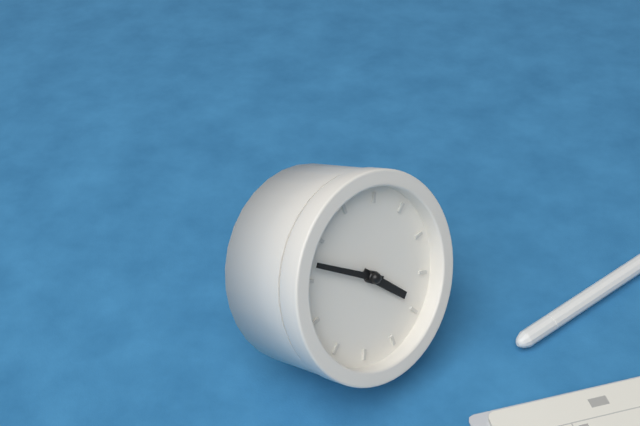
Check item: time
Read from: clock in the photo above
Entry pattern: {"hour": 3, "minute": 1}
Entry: {"hour": 3, "minute": 47}
